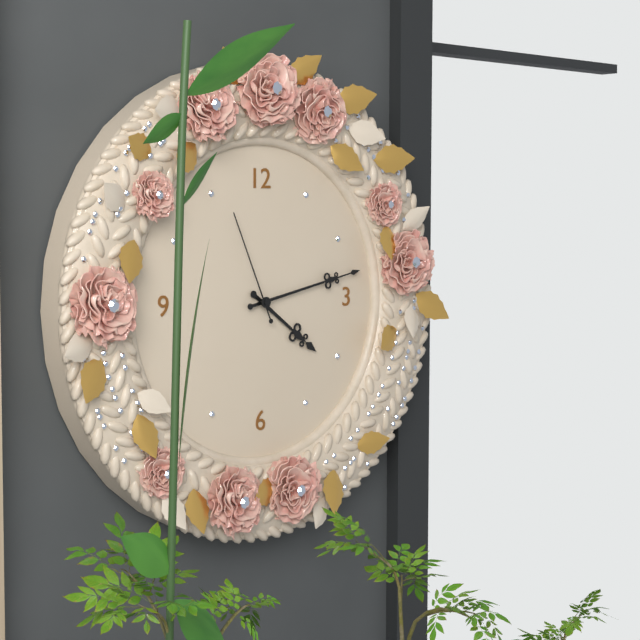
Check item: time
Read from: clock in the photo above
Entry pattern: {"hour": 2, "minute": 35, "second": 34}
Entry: {"hour": 4, "minute": 13, "second": 56}
